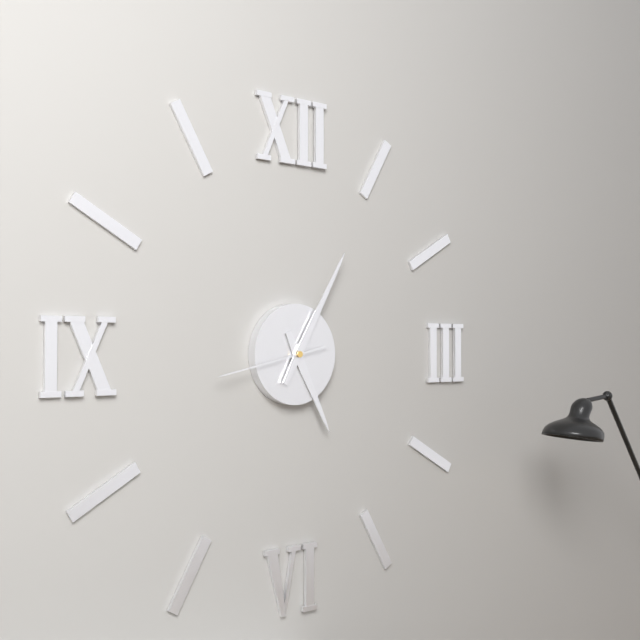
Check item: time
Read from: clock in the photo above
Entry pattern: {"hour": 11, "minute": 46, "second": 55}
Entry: {"hour": 5, "minute": 5, "second": 43}
